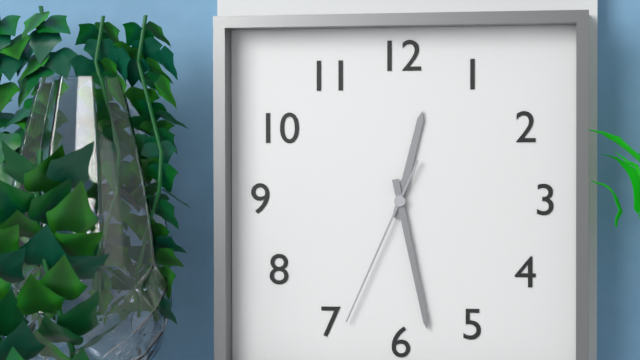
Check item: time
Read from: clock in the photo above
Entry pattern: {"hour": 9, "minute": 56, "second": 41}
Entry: {"hour": 12, "minute": 28, "second": 34}
